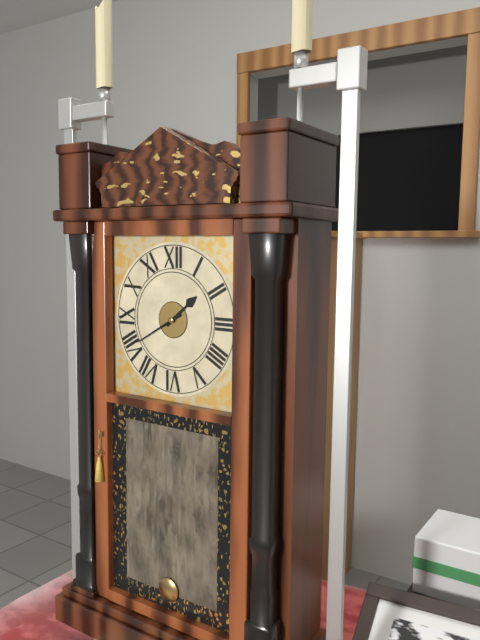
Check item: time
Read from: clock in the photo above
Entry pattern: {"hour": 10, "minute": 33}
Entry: {"hour": 1, "minute": 40}
